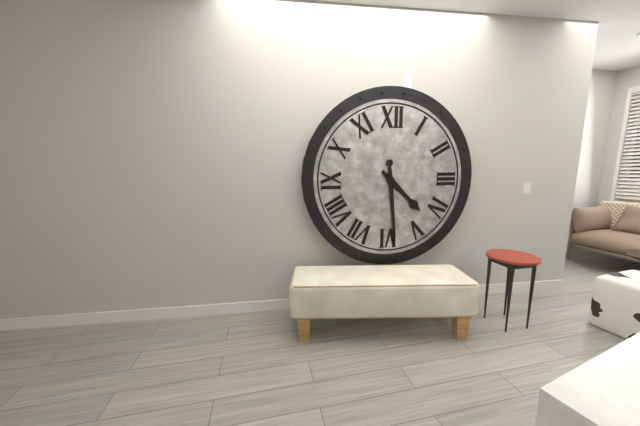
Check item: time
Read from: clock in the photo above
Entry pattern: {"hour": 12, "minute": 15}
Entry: {"hour": 4, "minute": 29}
